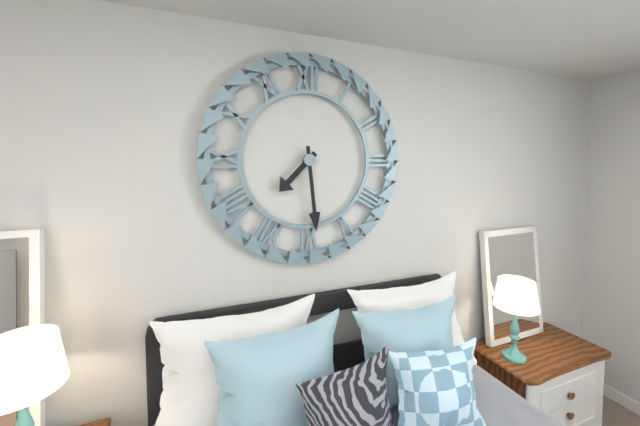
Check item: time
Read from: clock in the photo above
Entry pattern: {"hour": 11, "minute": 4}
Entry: {"hour": 7, "minute": 29}
